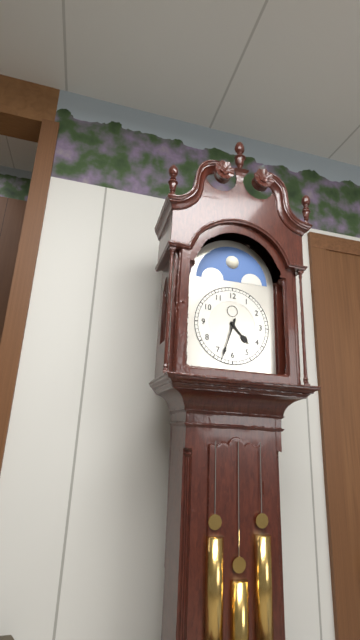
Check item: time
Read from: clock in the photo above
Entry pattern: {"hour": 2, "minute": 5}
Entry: {"hour": 4, "minute": 33}
